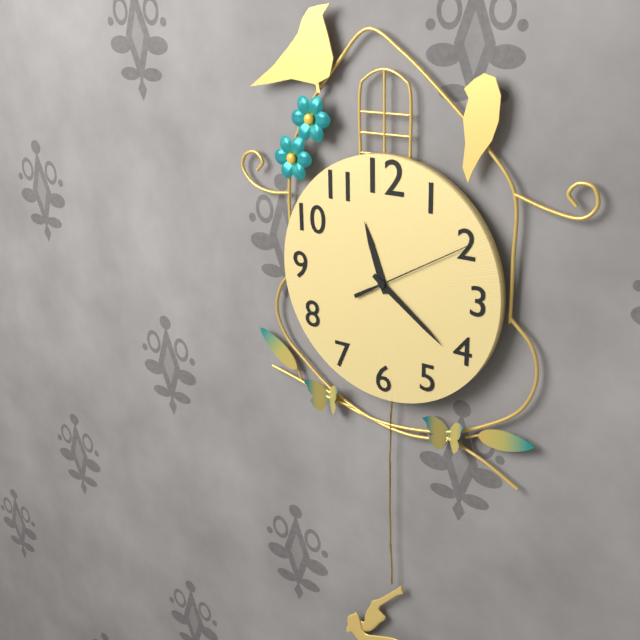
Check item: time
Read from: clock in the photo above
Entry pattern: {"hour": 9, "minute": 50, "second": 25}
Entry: {"hour": 11, "minute": 21, "second": 10}
